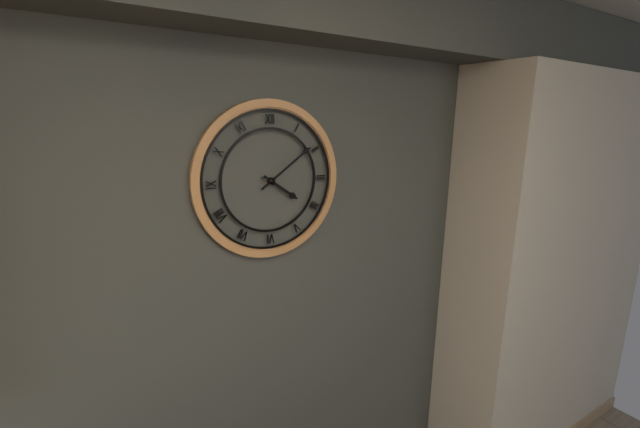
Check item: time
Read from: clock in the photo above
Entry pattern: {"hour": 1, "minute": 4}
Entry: {"hour": 4, "minute": 9}
